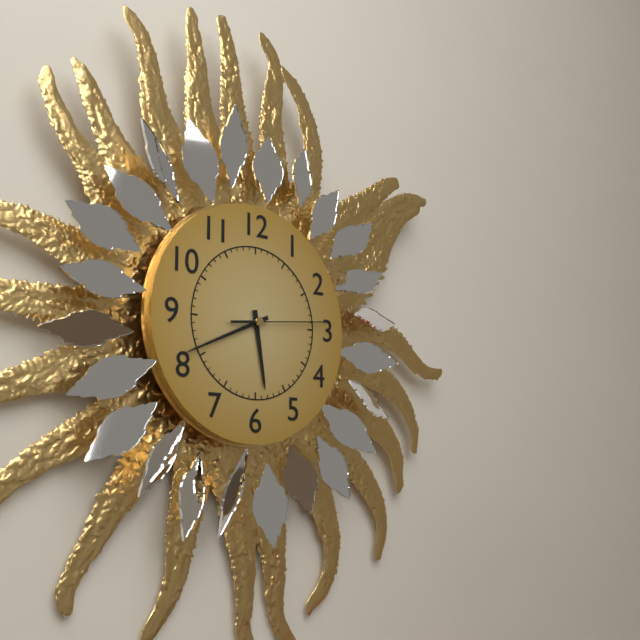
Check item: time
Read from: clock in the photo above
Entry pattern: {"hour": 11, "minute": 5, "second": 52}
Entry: {"hour": 5, "minute": 41, "second": 14}
